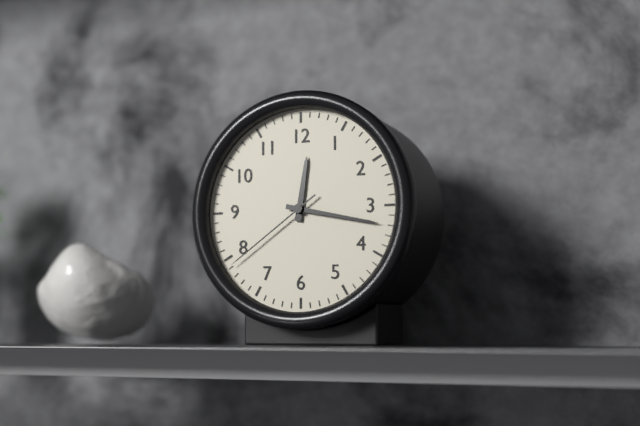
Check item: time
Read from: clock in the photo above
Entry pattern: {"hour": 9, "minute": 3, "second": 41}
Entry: {"hour": 12, "minute": 17, "second": 39}
